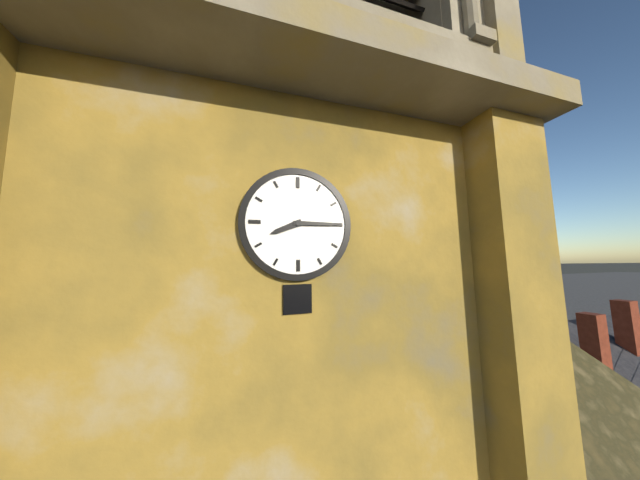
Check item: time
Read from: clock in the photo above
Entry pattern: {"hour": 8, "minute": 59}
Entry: {"hour": 8, "minute": 15}
